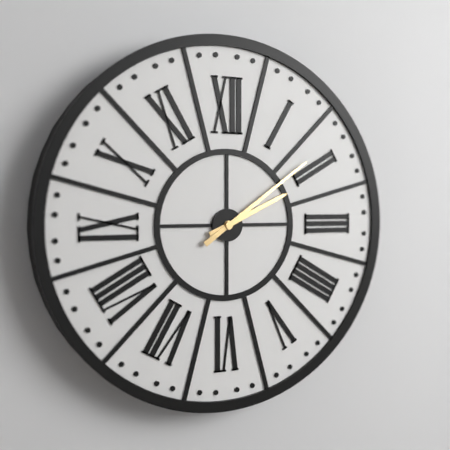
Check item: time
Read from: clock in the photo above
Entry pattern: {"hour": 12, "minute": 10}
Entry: {"hour": 2, "minute": 9}
